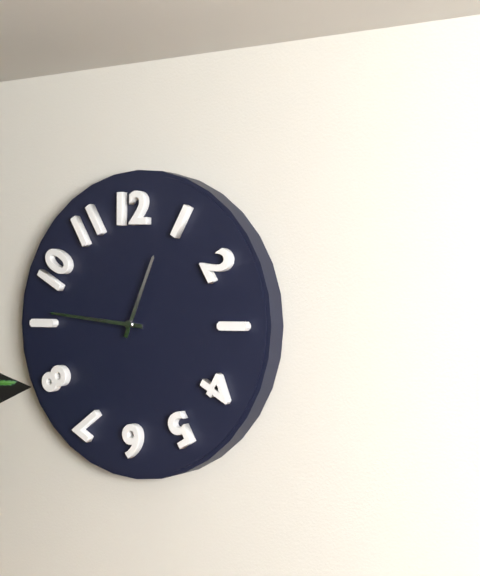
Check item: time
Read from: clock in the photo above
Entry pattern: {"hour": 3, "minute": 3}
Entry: {"hour": 12, "minute": 46}
